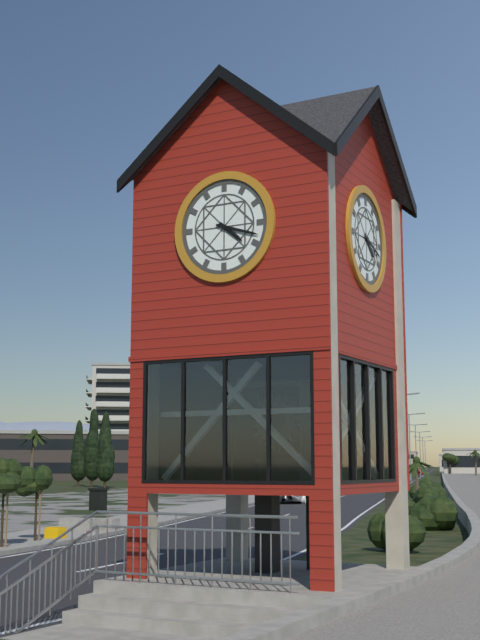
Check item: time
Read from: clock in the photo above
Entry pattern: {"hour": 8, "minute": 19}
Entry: {"hour": 4, "minute": 18}
